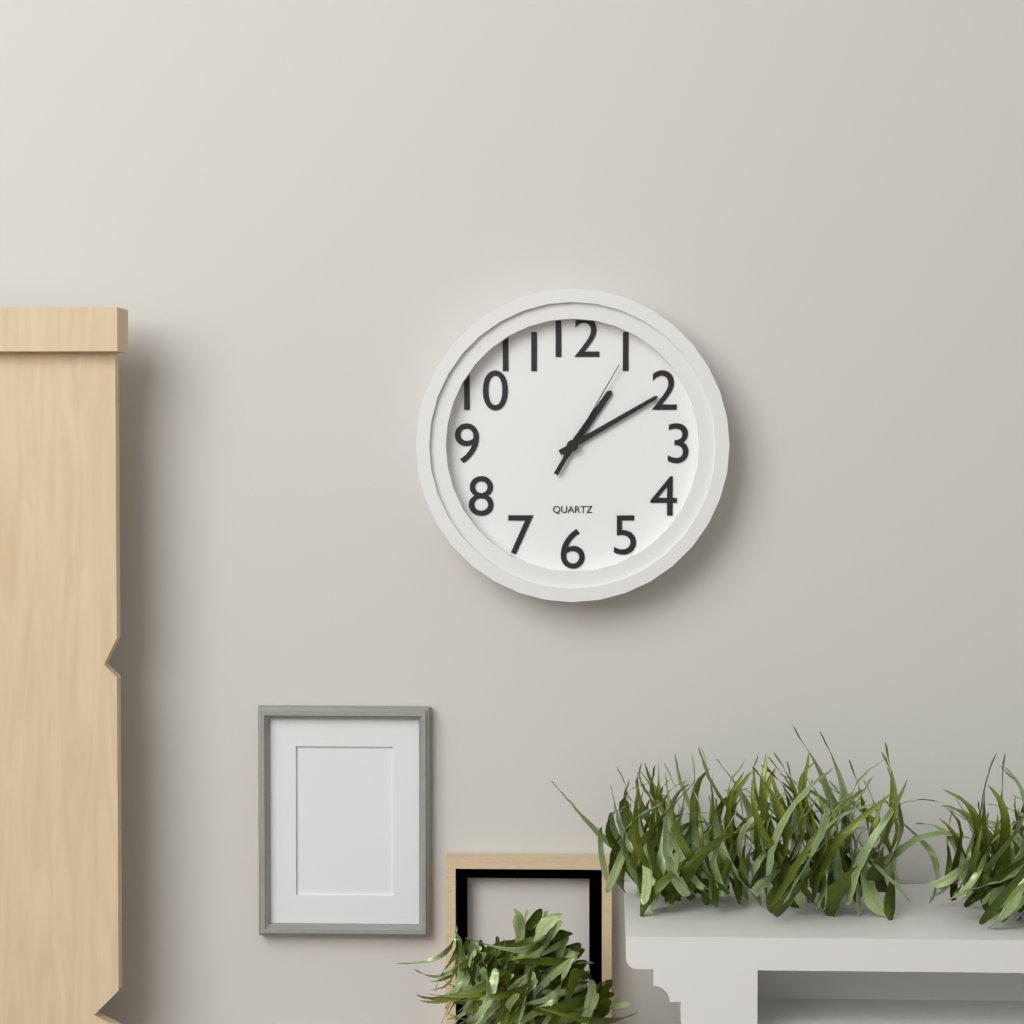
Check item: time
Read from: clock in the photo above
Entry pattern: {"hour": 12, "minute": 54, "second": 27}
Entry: {"hour": 1, "minute": 10, "second": 5}
